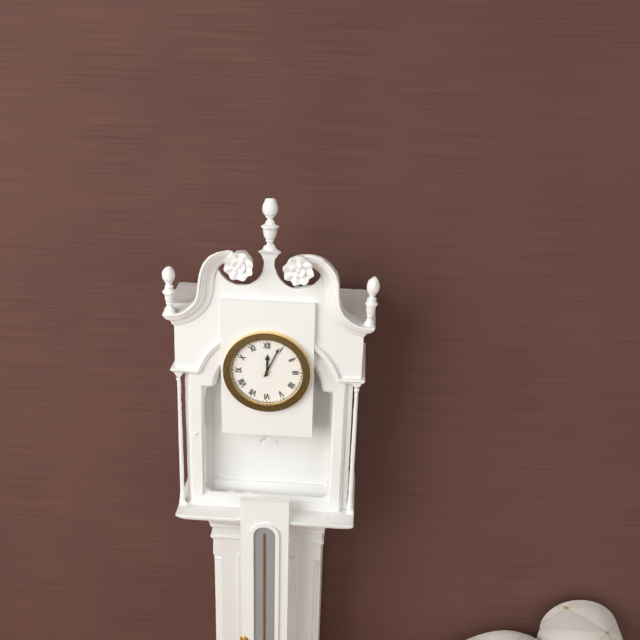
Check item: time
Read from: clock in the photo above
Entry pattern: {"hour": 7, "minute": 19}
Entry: {"hour": 12, "minute": 4}
